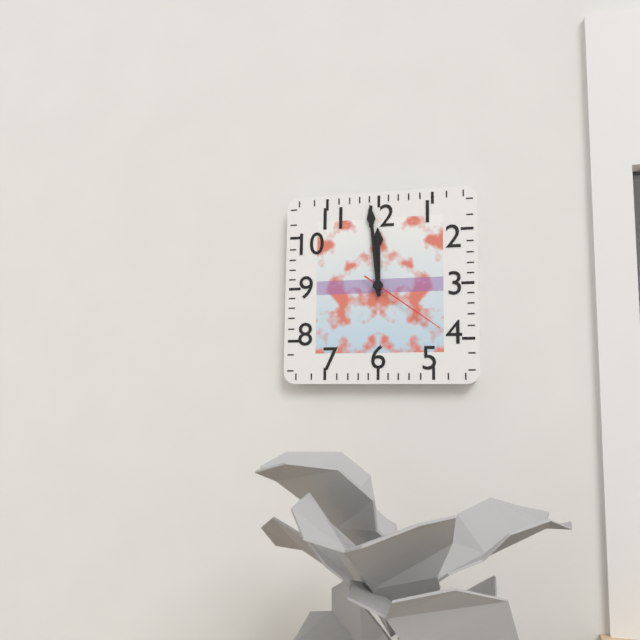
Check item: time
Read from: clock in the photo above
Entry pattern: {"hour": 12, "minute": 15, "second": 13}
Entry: {"hour": 11, "minute": 59, "second": 21}
